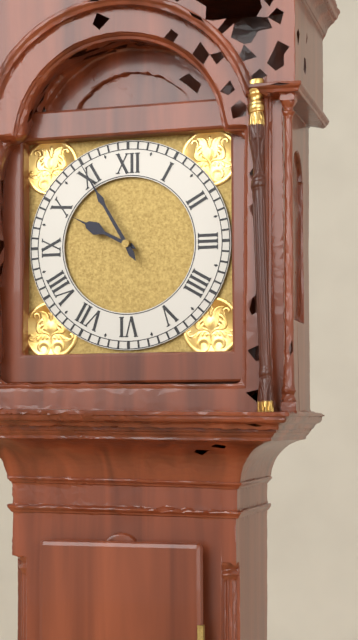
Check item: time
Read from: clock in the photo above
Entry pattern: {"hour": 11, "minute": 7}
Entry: {"hour": 9, "minute": 55}
